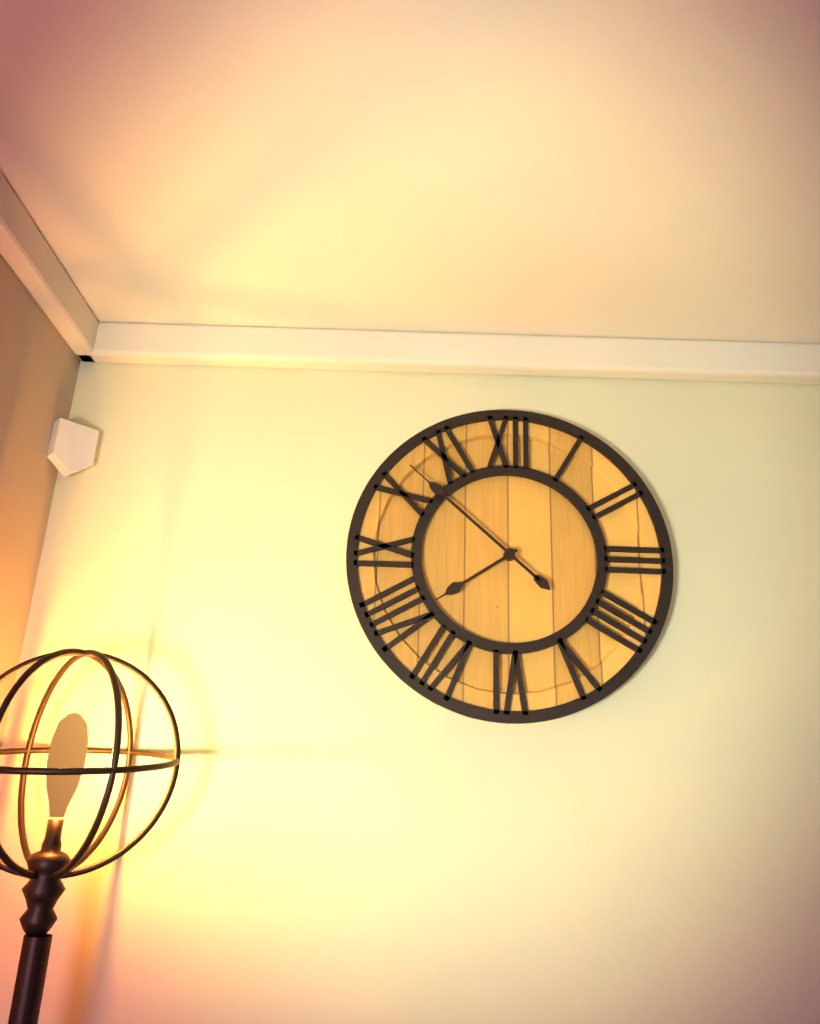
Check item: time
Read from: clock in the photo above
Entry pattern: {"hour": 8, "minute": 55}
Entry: {"hour": 7, "minute": 52}
